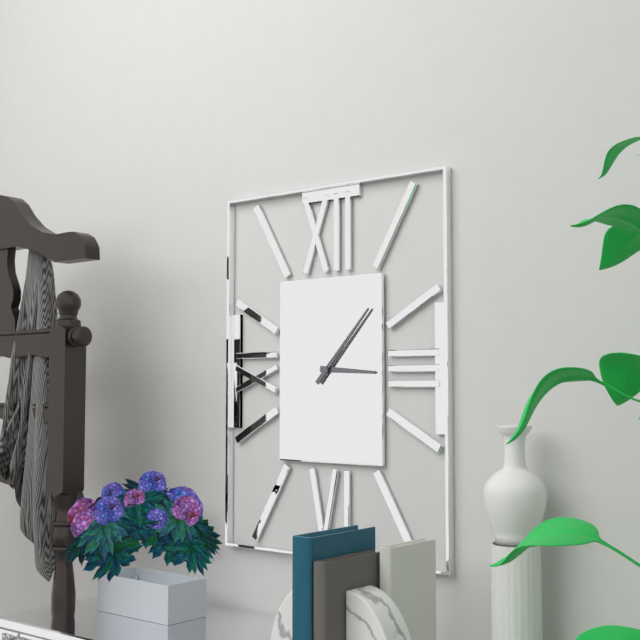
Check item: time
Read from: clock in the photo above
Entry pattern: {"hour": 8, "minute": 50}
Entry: {"hour": 3, "minute": 7}
